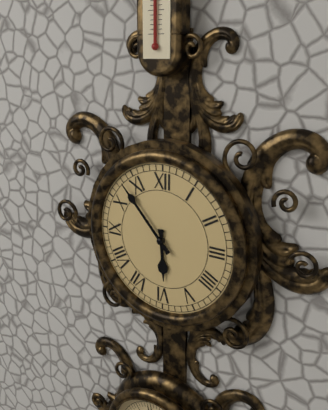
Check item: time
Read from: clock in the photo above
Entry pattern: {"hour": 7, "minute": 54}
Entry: {"hour": 5, "minute": 53}
